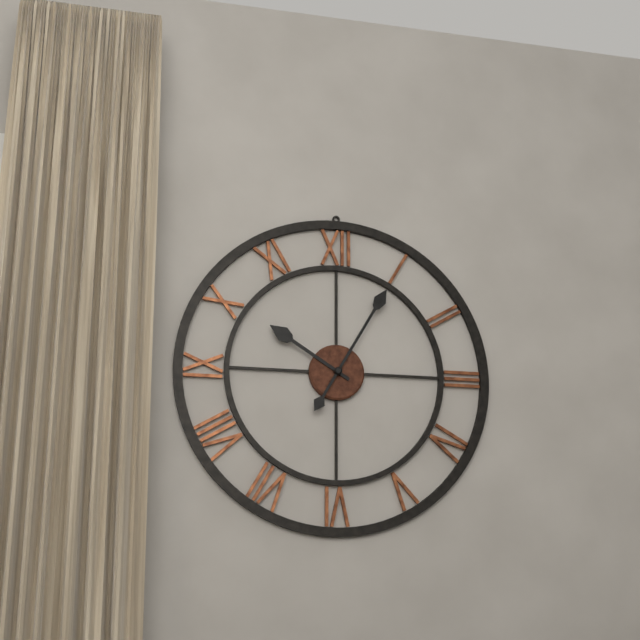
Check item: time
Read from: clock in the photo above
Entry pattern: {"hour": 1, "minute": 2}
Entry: {"hour": 10, "minute": 5}
